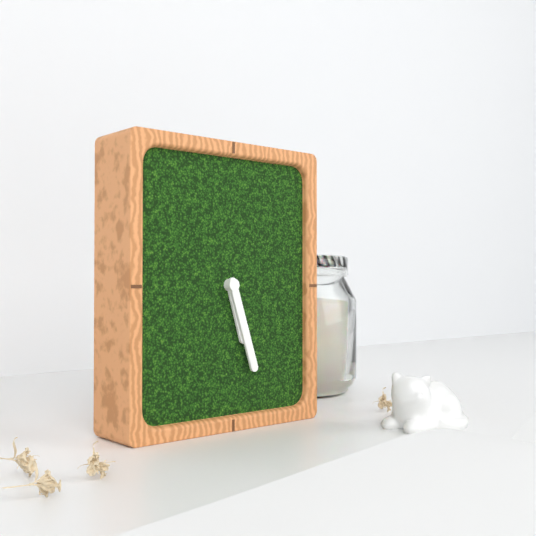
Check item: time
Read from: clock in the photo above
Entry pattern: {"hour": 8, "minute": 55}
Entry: {"hour": 5, "minute": 27}
